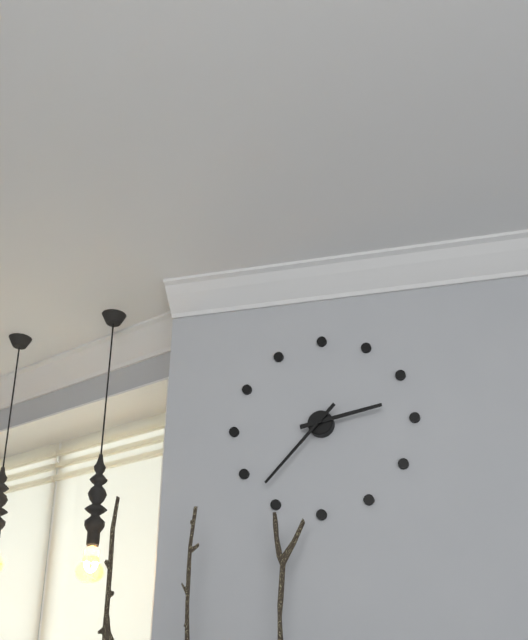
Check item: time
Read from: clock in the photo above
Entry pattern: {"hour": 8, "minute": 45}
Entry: {"hour": 2, "minute": 37}
